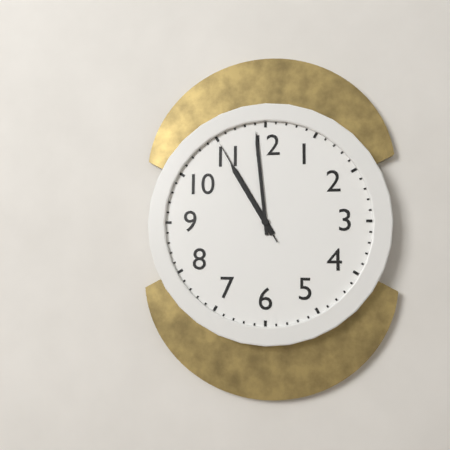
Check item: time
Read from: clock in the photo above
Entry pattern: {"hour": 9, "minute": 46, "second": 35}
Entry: {"hour": 10, "minute": 59, "second": 55}
